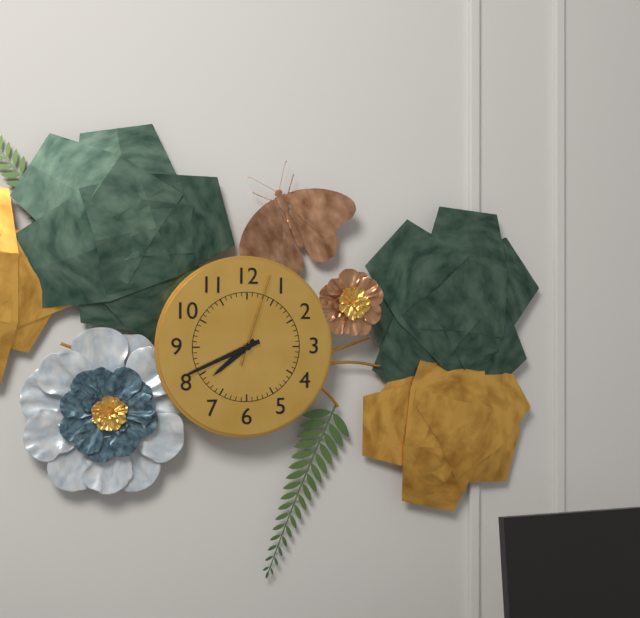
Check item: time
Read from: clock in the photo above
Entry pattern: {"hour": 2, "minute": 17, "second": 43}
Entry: {"hour": 7, "minute": 41, "second": 3}
